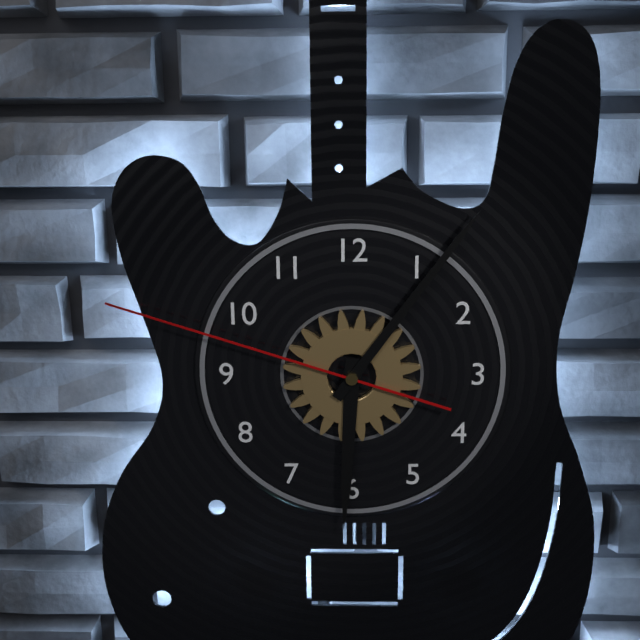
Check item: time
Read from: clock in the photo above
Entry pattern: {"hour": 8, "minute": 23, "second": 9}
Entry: {"hour": 6, "minute": 6, "second": 48}
